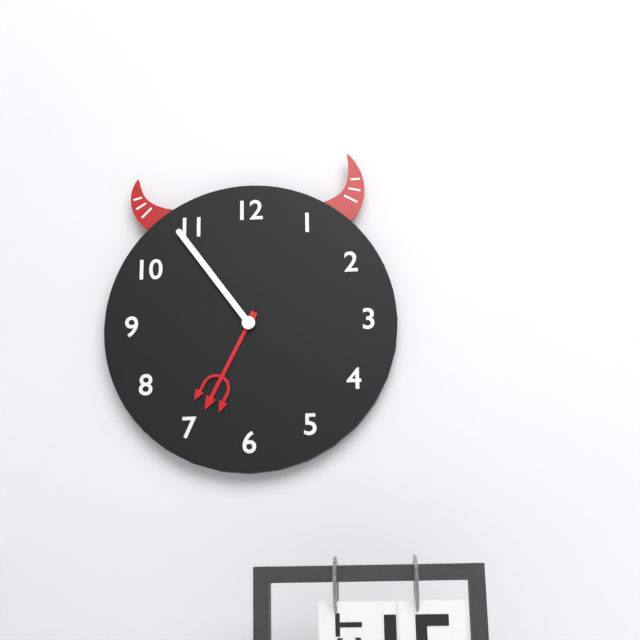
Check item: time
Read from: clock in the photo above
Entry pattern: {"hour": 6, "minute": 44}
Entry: {"hour": 6, "minute": 54}
